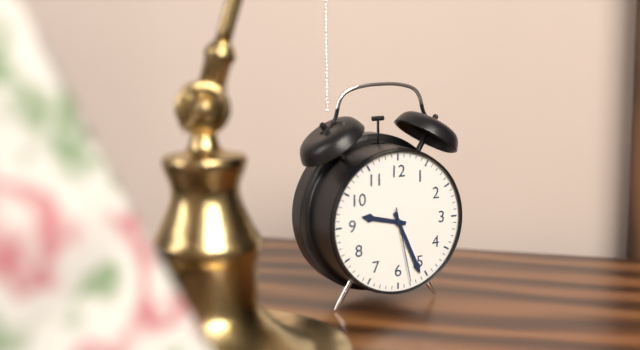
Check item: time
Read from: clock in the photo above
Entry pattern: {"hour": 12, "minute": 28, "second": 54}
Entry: {"hour": 9, "minute": 26, "second": 28}
